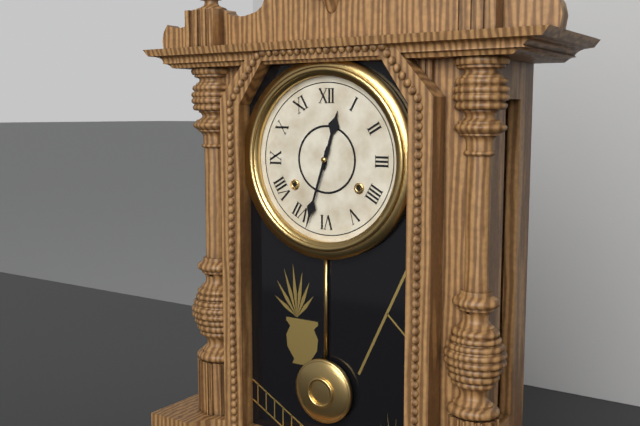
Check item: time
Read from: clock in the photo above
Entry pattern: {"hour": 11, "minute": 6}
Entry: {"hour": 12, "minute": 33}
